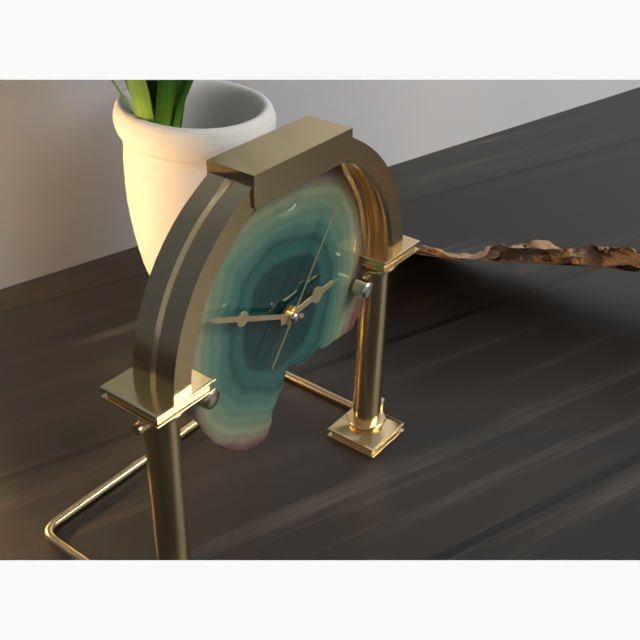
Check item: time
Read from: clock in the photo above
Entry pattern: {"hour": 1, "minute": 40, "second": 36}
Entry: {"hour": 2, "minute": 49, "second": 6}
